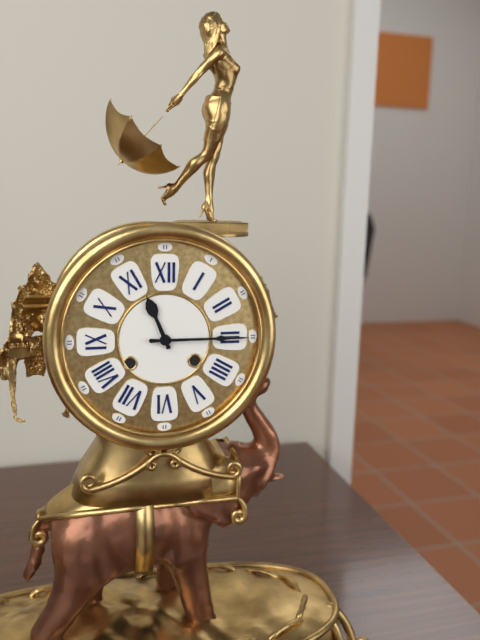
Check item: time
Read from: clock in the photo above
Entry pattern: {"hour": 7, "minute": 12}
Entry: {"hour": 11, "minute": 15}
